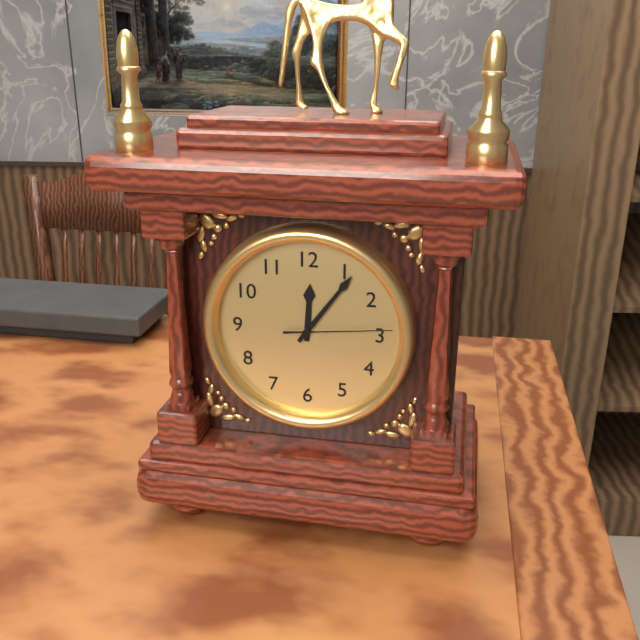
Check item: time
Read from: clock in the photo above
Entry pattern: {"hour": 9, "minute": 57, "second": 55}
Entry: {"hour": 12, "minute": 6, "second": 14}
